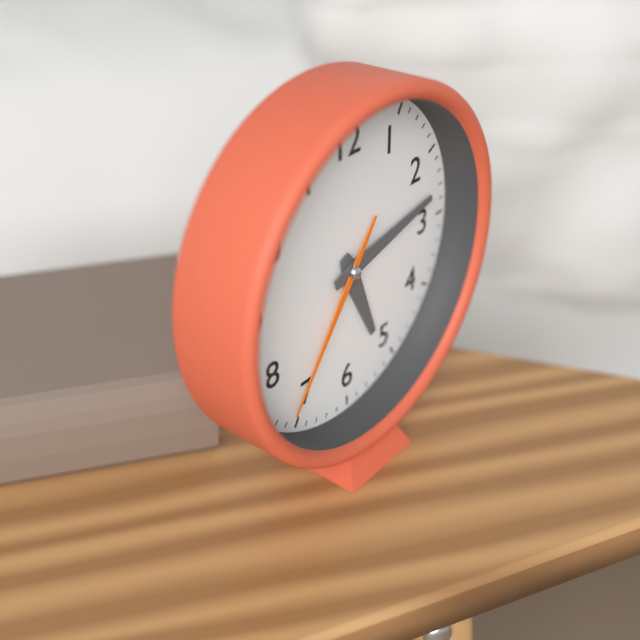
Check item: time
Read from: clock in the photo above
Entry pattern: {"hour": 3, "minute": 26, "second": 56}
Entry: {"hour": 5, "minute": 13, "second": 36}
